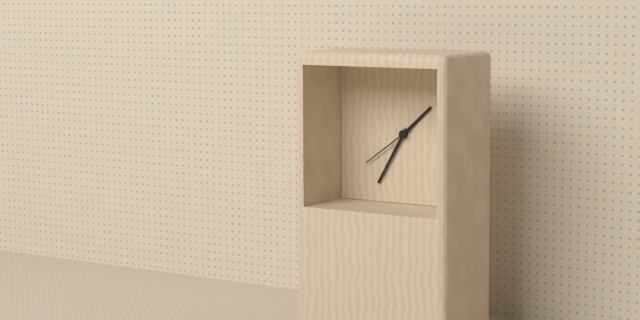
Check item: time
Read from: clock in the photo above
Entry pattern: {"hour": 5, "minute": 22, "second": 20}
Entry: {"hour": 1, "minute": 35, "second": 39}
